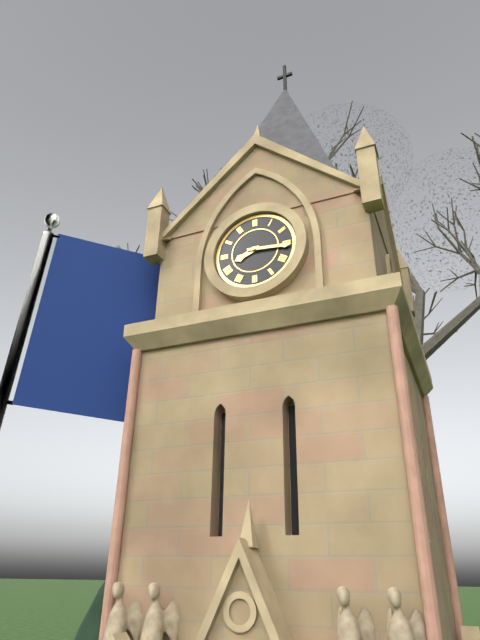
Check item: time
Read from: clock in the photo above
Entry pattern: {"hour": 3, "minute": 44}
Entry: {"hour": 8, "minute": 16}
